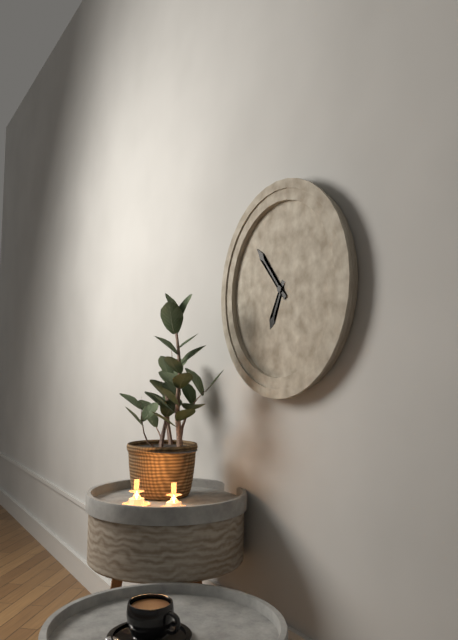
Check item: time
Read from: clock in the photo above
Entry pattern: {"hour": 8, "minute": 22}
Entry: {"hour": 6, "minute": 53}
